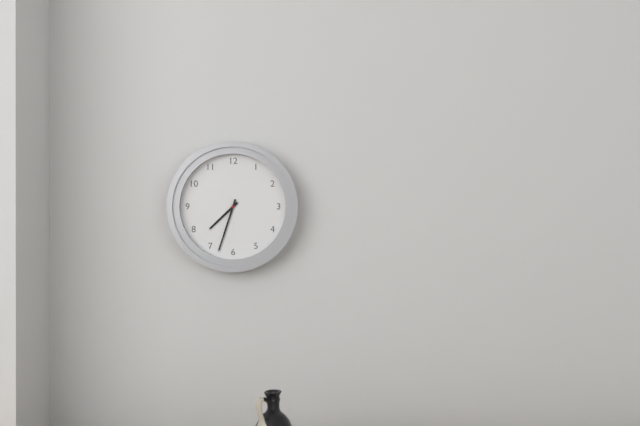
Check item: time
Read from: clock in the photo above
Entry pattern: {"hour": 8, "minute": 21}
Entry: {"hour": 7, "minute": 33}
